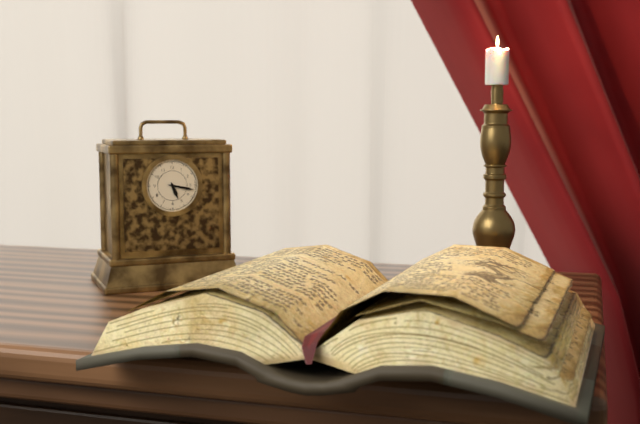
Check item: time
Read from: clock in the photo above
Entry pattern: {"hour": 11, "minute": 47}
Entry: {"hour": 5, "minute": 17}
